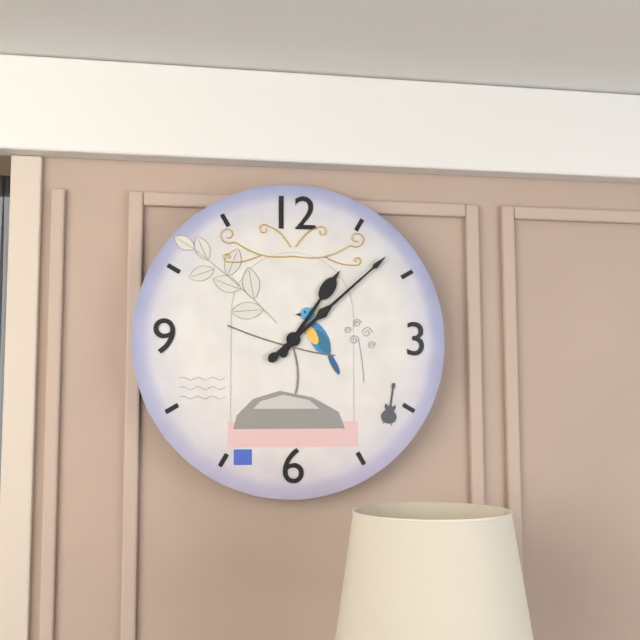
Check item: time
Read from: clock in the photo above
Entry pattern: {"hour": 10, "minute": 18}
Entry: {"hour": 1, "minute": 8}
